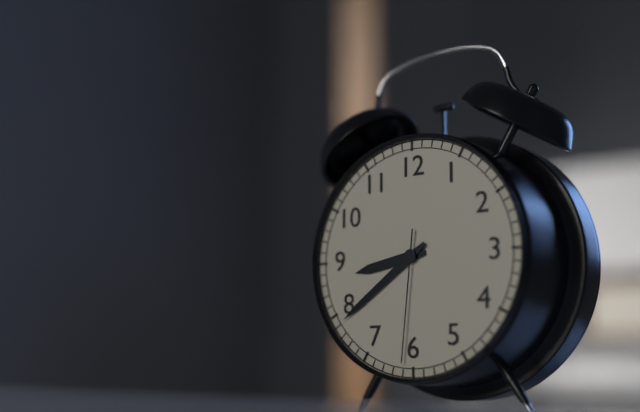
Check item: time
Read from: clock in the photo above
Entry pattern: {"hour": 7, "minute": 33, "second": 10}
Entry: {"hour": 8, "minute": 39, "second": 31}
